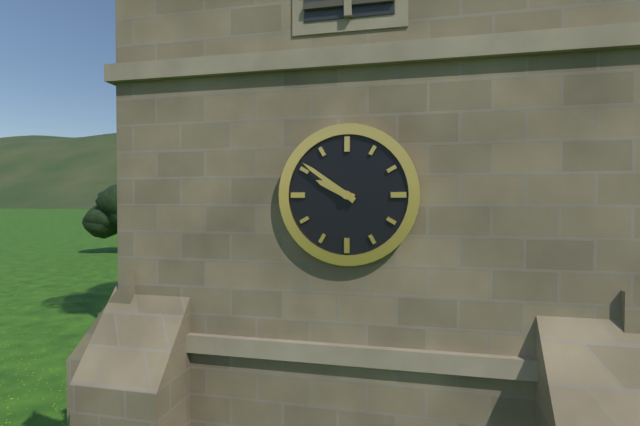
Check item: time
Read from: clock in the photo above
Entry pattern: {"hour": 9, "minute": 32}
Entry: {"hour": 9, "minute": 51}
